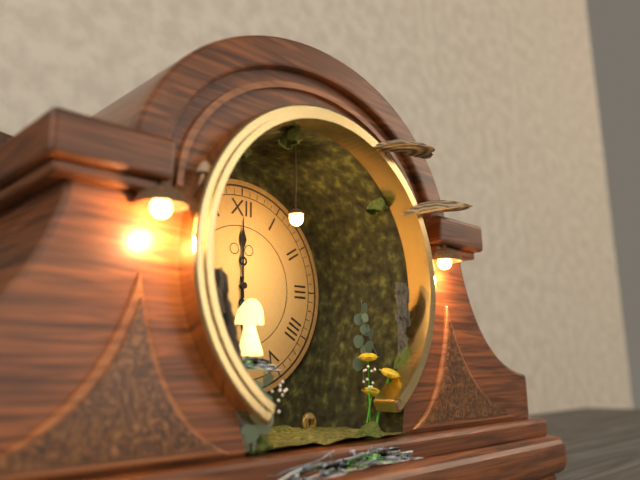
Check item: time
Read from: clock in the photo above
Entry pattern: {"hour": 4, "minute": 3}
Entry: {"hour": 6, "minute": 0}
